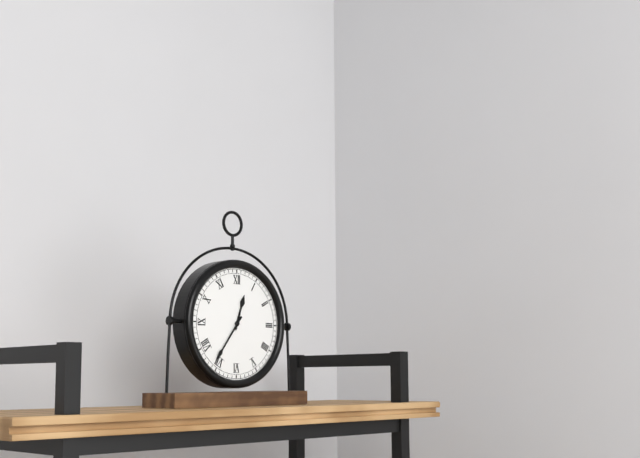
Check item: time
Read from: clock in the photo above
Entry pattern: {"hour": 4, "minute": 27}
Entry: {"hour": 12, "minute": 36}
